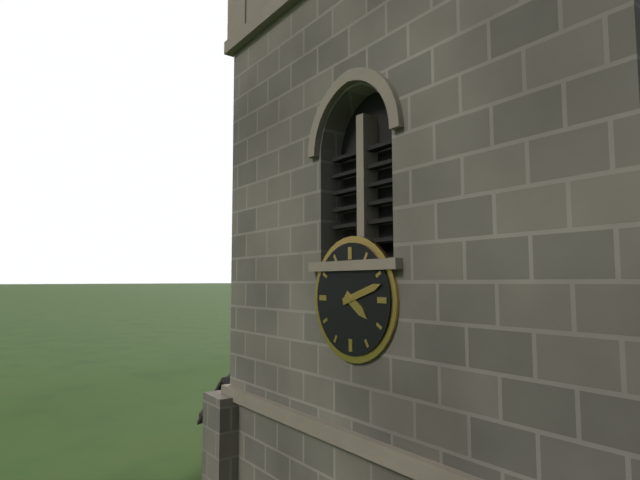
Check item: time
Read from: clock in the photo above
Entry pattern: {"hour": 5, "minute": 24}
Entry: {"hour": 4, "minute": 12}
